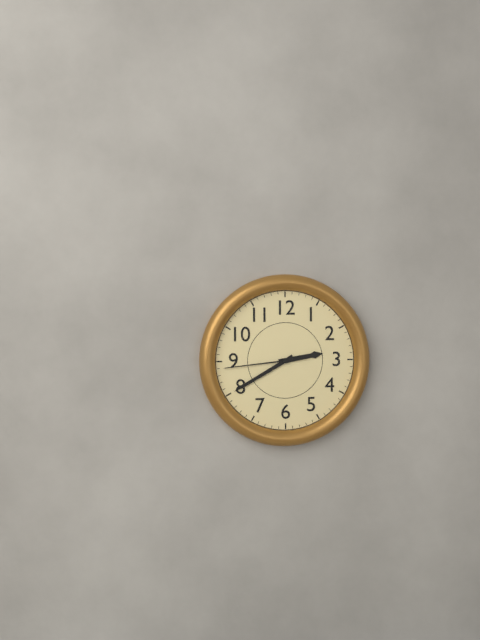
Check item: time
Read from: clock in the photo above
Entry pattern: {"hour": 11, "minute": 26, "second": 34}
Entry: {"hour": 2, "minute": 40, "second": 44}
